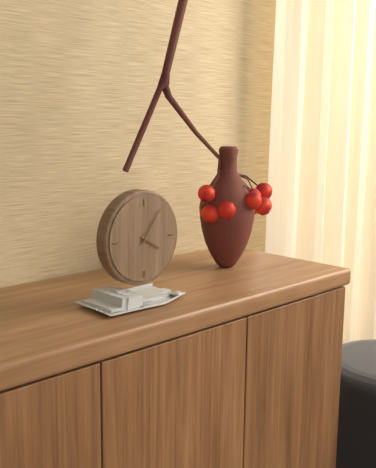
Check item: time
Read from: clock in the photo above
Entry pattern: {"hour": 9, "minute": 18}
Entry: {"hour": 4, "minute": 6}
